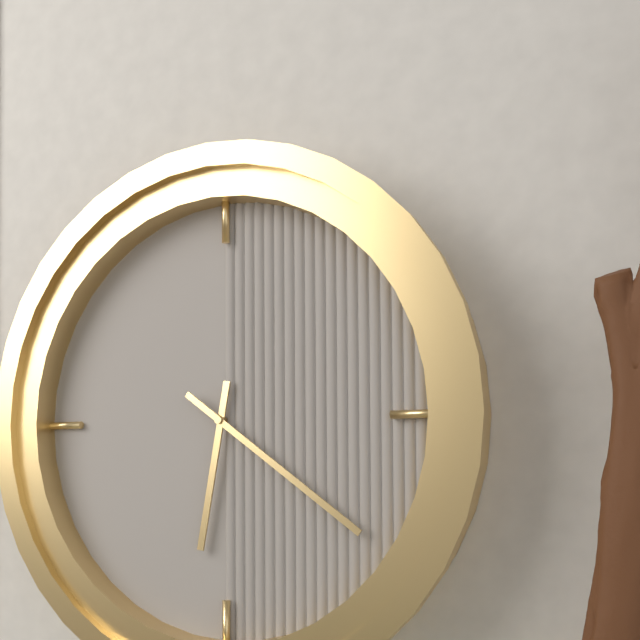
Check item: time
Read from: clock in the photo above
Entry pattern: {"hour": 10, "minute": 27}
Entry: {"hour": 6, "minute": 21}
